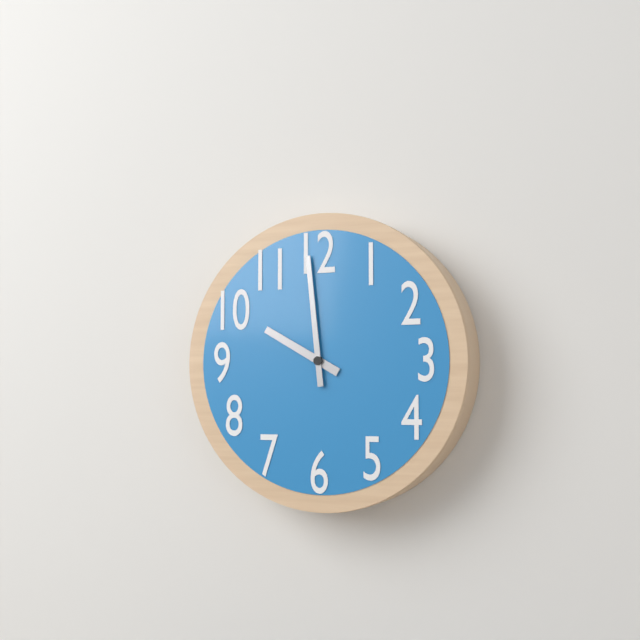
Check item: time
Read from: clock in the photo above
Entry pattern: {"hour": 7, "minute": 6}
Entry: {"hour": 9, "minute": 59}
